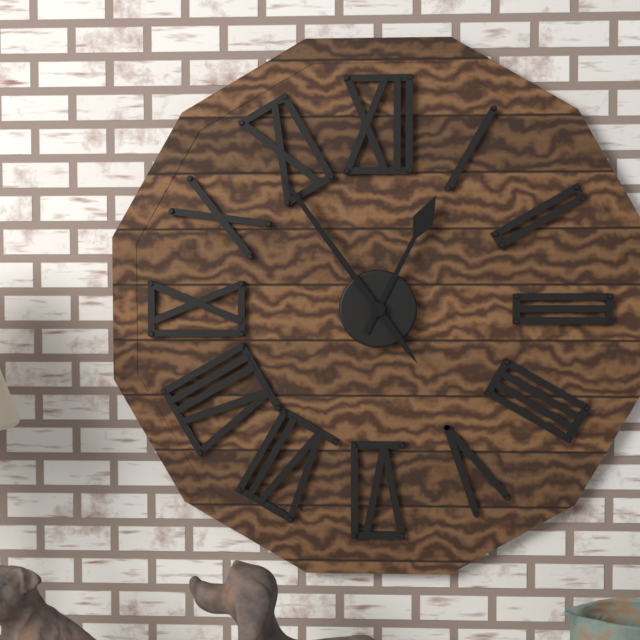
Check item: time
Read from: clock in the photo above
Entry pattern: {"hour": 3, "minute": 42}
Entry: {"hour": 12, "minute": 54}
